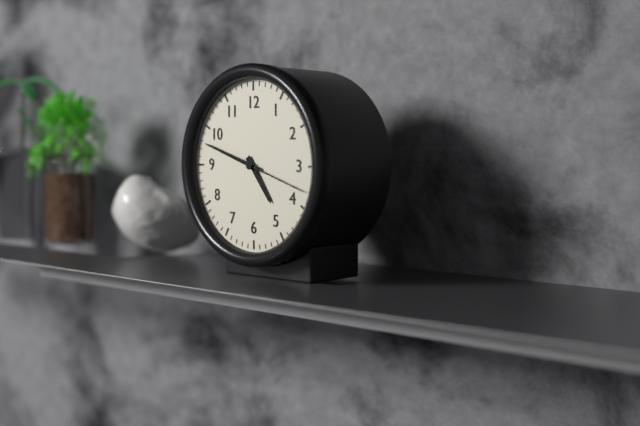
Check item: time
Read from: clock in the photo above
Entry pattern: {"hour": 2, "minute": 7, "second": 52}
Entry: {"hour": 4, "minute": 48, "second": 18}
